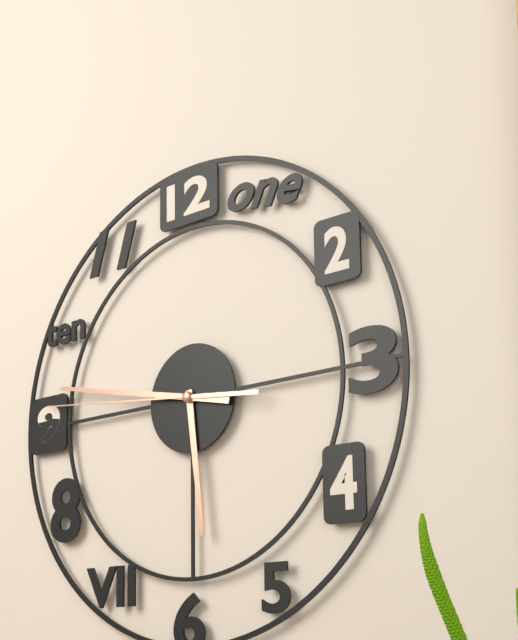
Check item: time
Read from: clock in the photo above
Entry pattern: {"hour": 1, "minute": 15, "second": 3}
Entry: {"hour": 5, "minute": 47, "second": 46}
